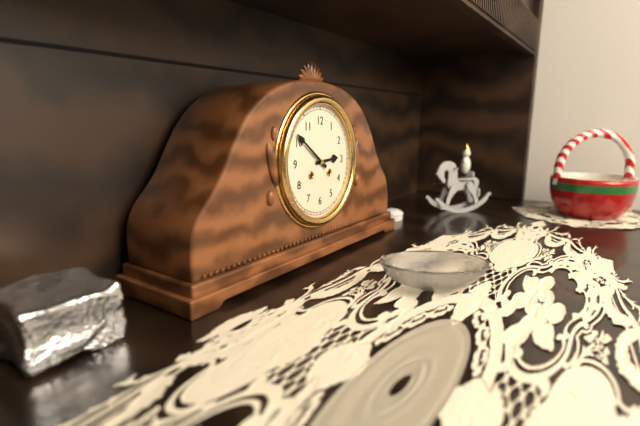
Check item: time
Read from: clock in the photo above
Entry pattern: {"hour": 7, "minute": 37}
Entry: {"hour": 2, "minute": 51}
